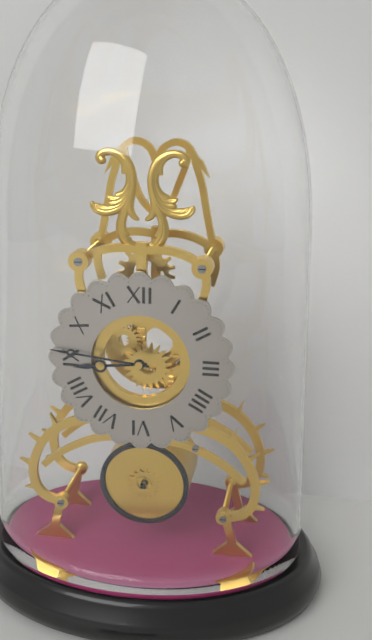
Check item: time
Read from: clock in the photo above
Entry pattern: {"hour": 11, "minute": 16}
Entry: {"hour": 8, "minute": 46}
